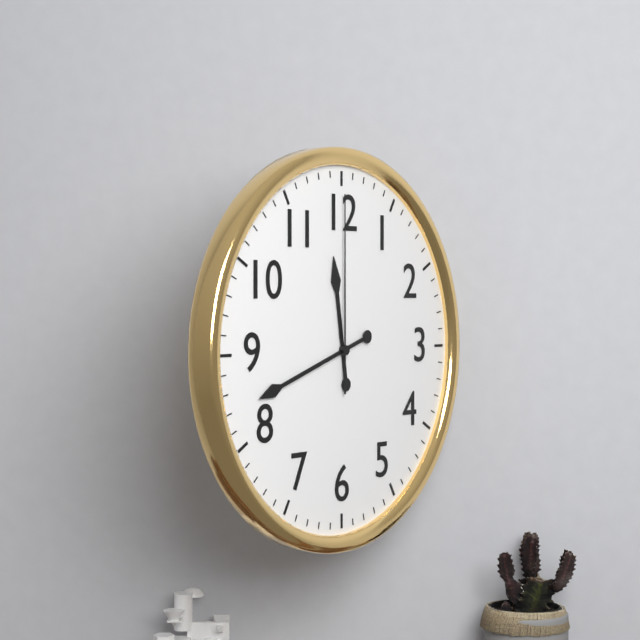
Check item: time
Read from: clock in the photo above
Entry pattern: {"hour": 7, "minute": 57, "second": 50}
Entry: {"hour": 11, "minute": 42, "second": 0}
